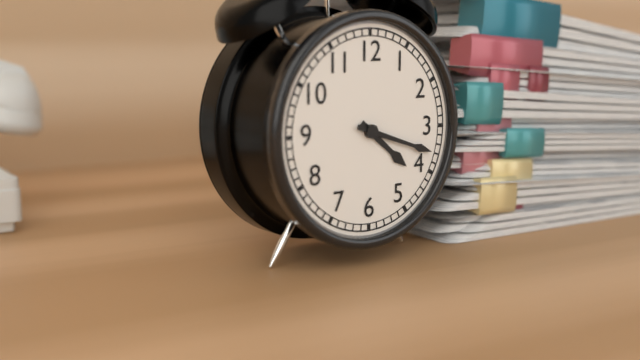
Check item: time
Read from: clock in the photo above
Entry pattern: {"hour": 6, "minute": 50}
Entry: {"hour": 4, "minute": 18}
